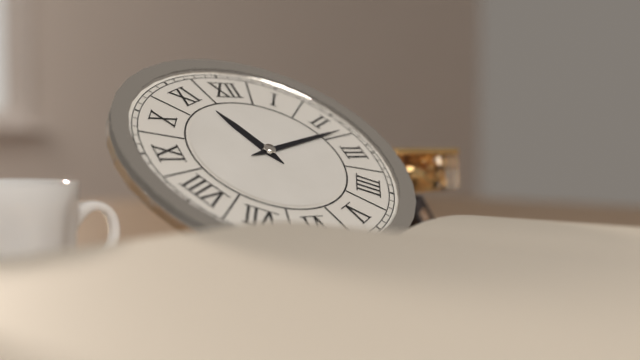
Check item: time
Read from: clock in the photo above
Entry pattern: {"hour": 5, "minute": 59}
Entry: {"hour": 11, "minute": 12}
